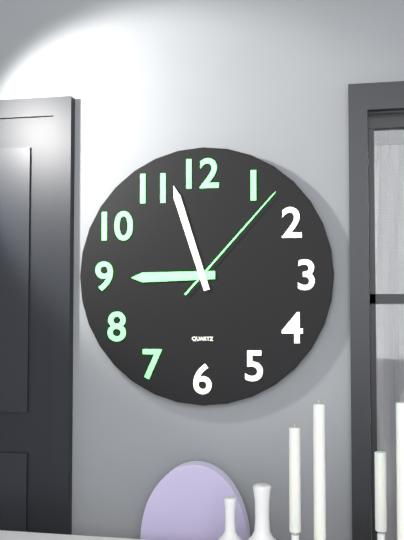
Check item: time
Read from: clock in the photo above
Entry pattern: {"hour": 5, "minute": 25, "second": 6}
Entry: {"hour": 8, "minute": 57, "second": 7}
